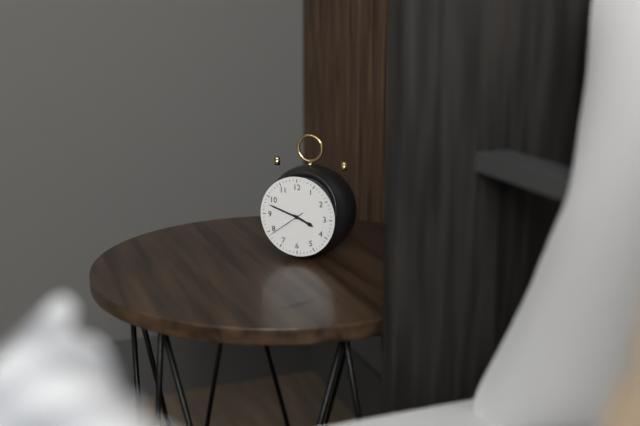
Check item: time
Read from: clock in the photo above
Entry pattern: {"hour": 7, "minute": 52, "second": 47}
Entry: {"hour": 3, "minute": 48, "second": 39}
